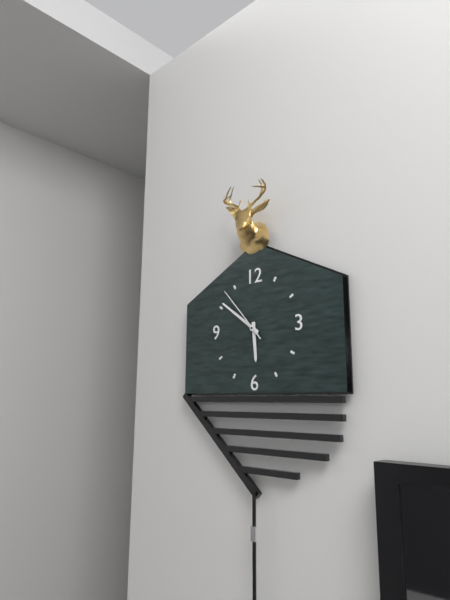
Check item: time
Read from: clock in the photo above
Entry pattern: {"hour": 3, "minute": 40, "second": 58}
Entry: {"hour": 5, "minute": 51, "second": 53}
